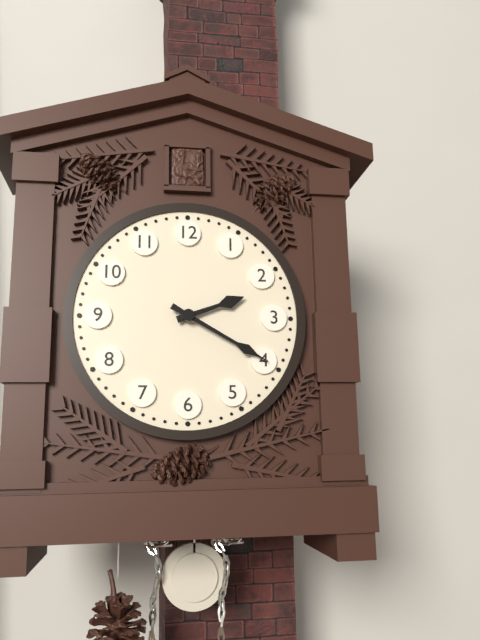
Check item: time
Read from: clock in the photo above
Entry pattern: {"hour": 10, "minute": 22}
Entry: {"hour": 2, "minute": 20}
